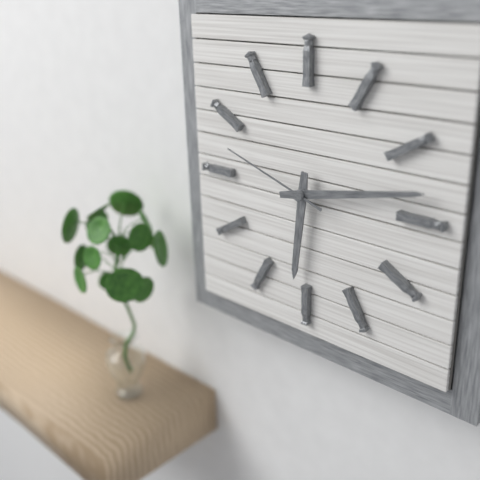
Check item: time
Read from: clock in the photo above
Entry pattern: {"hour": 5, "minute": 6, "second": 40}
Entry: {"hour": 6, "minute": 13, "second": 48}
